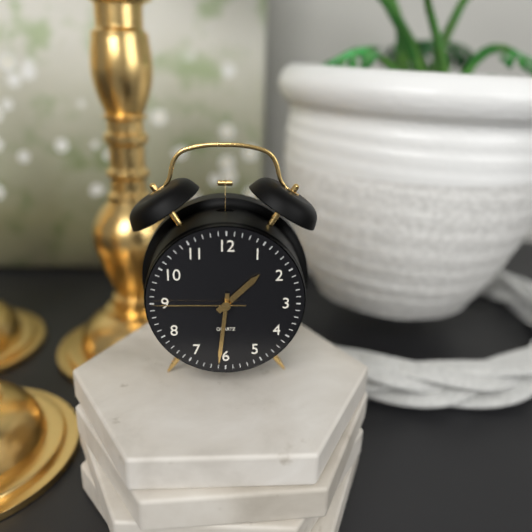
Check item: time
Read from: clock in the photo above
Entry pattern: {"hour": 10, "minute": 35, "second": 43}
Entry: {"hour": 1, "minute": 31, "second": 45}
